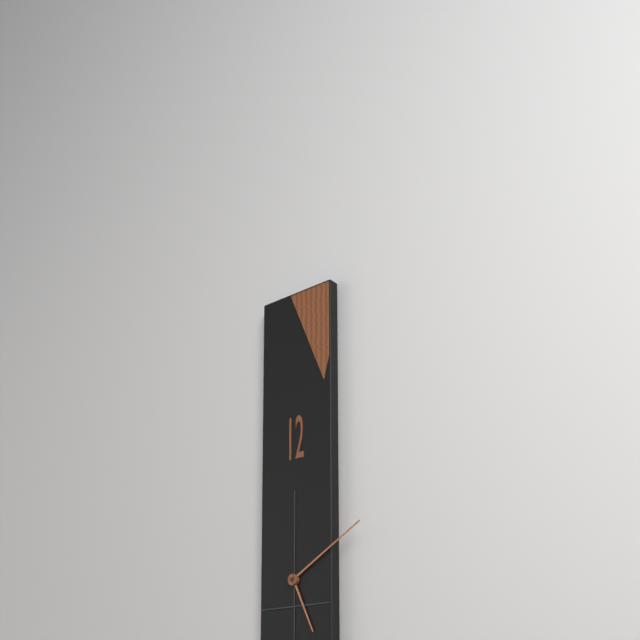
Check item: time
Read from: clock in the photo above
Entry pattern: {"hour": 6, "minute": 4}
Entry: {"hour": 5, "minute": 10}
